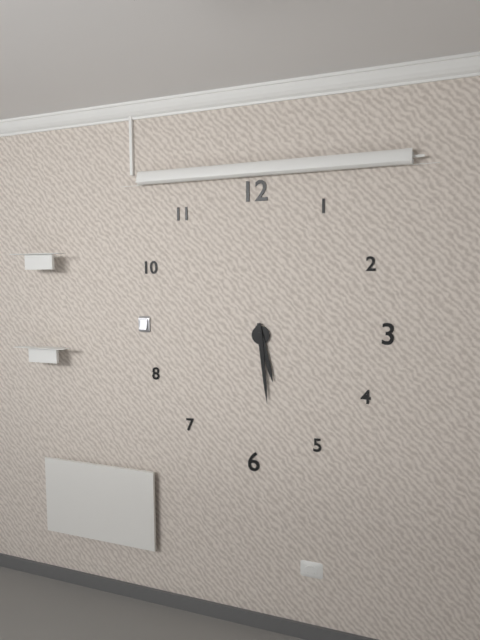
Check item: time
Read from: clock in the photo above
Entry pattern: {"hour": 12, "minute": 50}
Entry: {"hour": 5, "minute": 29}
